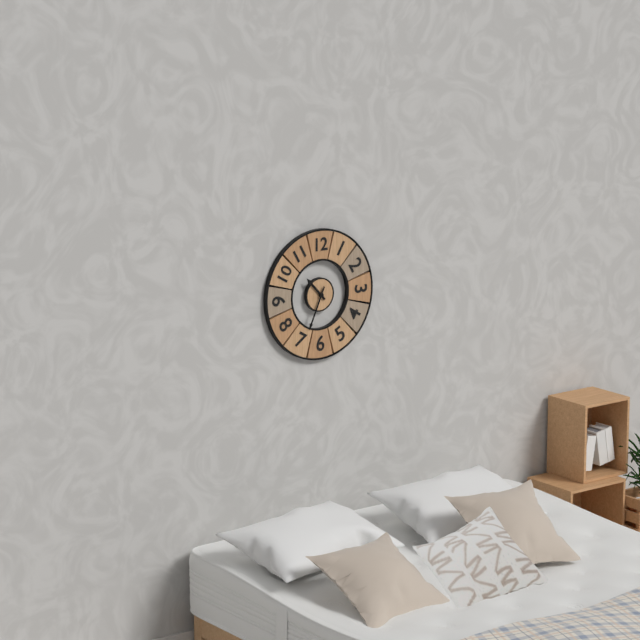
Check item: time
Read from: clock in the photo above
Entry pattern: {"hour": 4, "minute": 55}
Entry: {"hour": 10, "minute": 34}
